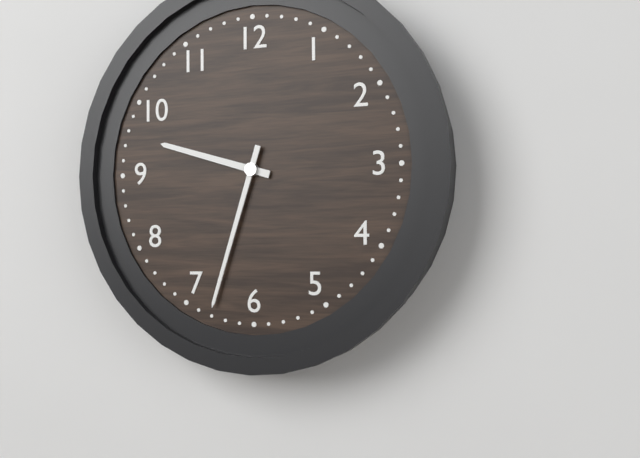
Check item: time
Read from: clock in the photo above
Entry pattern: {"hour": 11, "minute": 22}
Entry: {"hour": 9, "minute": 33}
